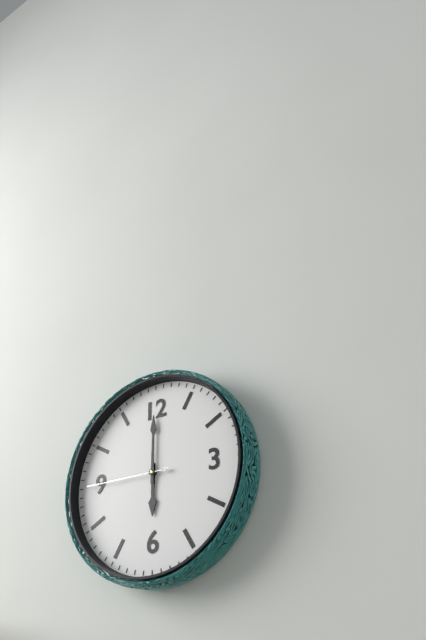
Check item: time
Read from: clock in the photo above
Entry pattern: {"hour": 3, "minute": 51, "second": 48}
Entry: {"hour": 6, "minute": 0, "second": 45}
